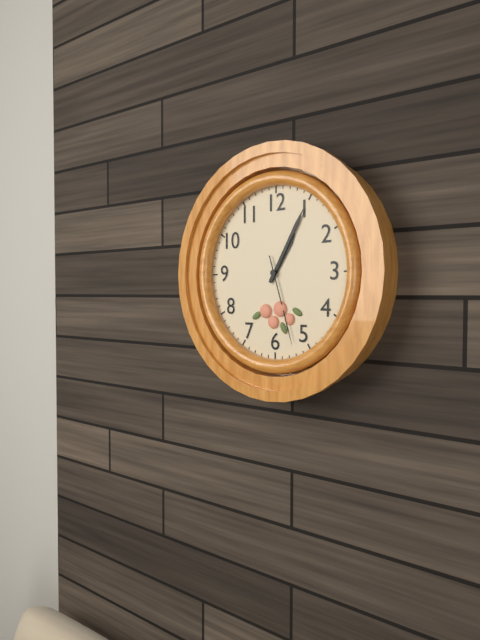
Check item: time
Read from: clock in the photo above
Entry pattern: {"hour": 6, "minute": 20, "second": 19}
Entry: {"hour": 1, "minute": 5, "second": 27}
